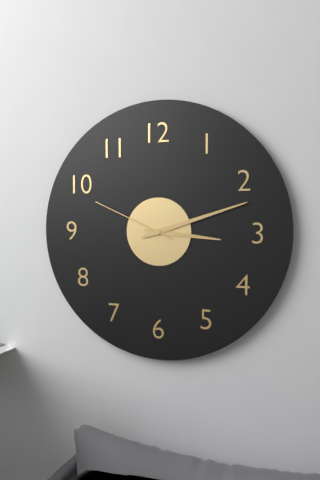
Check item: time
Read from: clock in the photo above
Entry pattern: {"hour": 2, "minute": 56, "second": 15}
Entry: {"hour": 3, "minute": 12, "second": 49}
